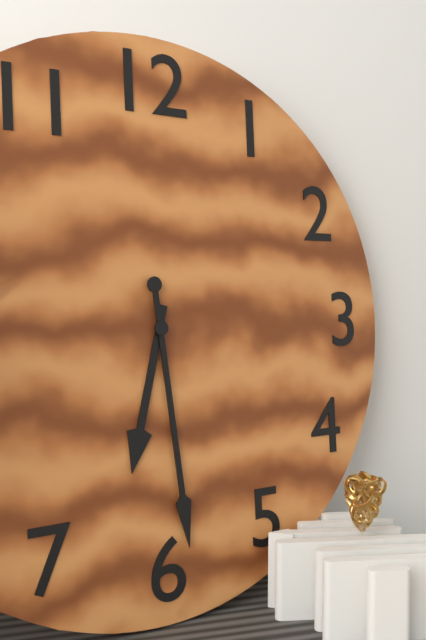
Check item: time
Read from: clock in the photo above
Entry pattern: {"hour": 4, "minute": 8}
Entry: {"hour": 6, "minute": 29}
